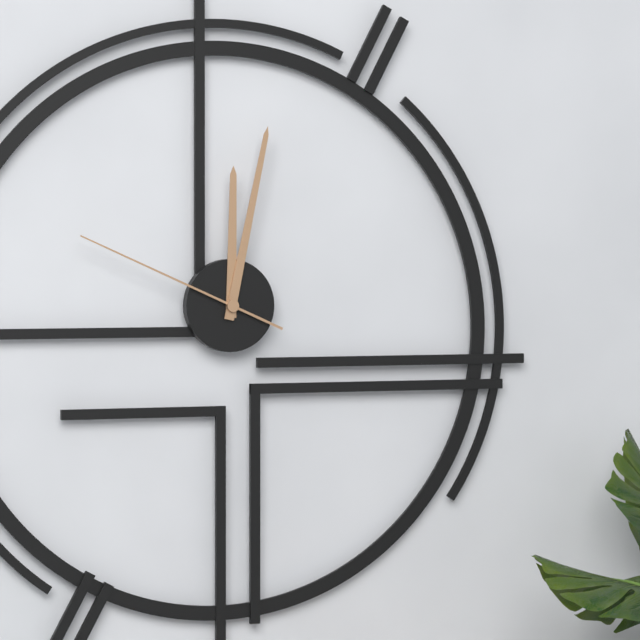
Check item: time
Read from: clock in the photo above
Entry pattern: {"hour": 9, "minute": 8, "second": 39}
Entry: {"hour": 12, "minute": 2, "second": 49}
